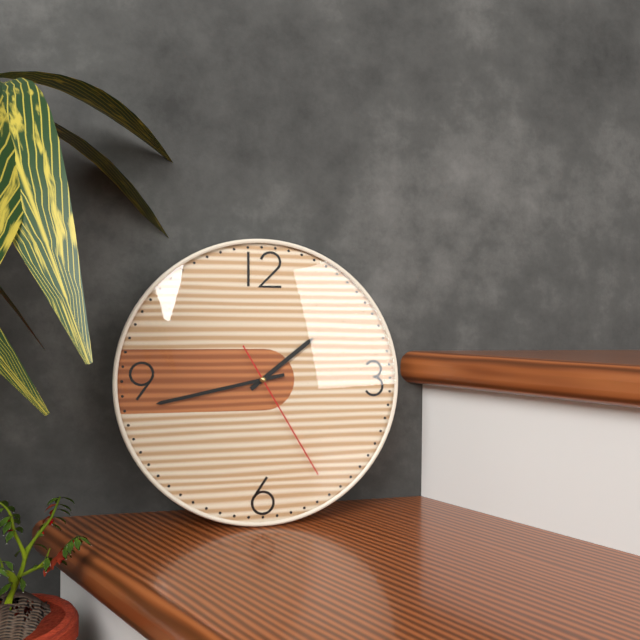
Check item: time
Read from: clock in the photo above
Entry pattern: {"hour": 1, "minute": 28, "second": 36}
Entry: {"hour": 1, "minute": 43, "second": 25}
